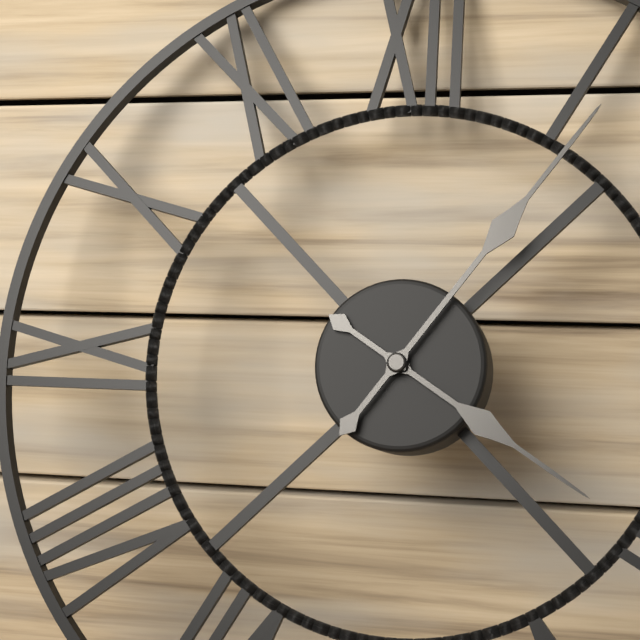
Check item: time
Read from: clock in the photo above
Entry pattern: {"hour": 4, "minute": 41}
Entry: {"hour": 4, "minute": 6}
